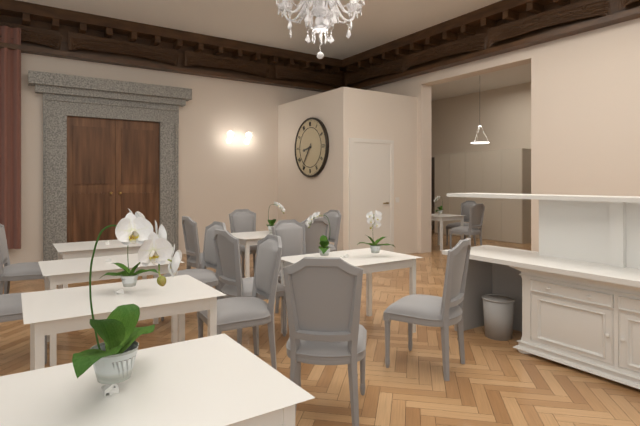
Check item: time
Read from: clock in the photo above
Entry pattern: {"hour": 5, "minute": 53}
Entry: {"hour": 8, "minute": 36}
